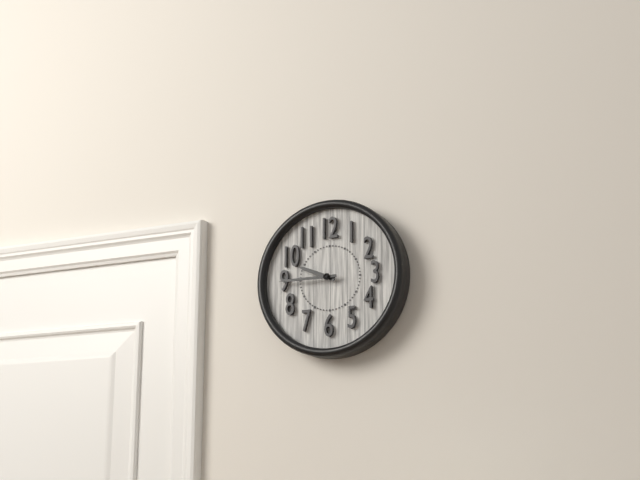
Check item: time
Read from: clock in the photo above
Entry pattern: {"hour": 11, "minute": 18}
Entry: {"hour": 9, "minute": 45}
